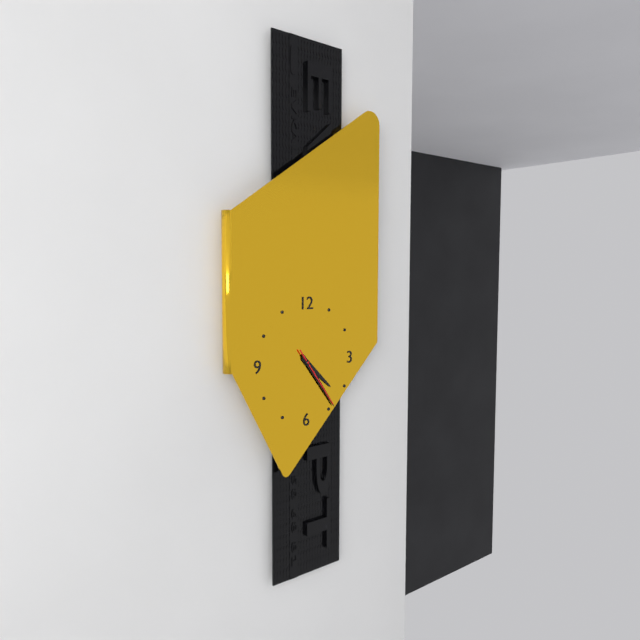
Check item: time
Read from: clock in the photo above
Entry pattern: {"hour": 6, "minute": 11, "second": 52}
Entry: {"hour": 4, "minute": 24, "second": 24}
